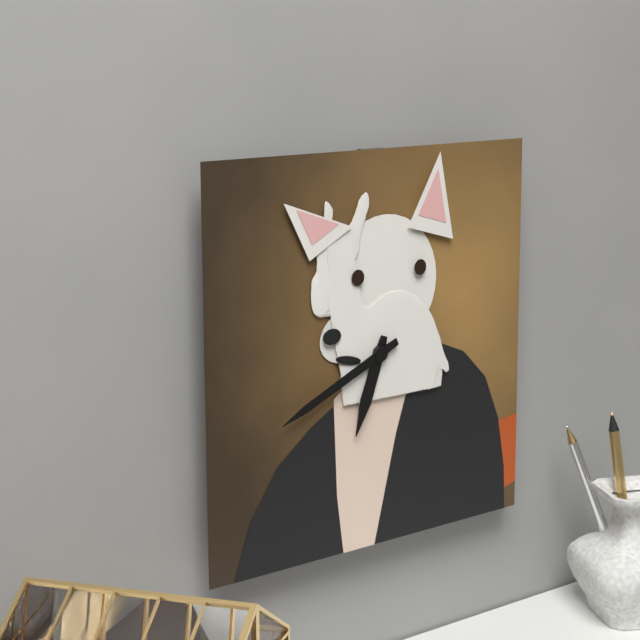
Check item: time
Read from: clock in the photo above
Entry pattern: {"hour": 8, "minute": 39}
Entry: {"hour": 6, "minute": 41}
